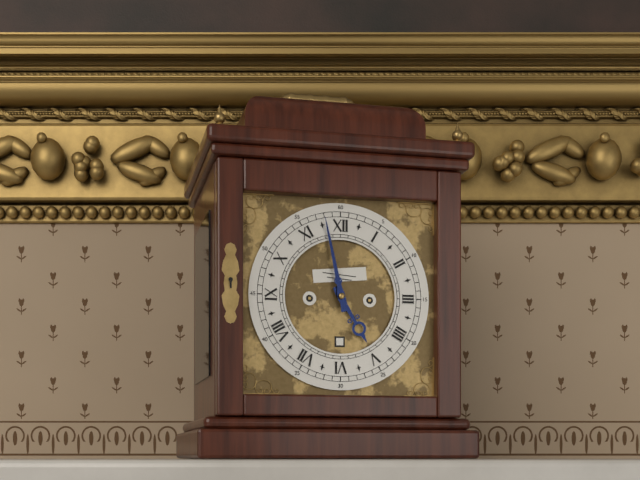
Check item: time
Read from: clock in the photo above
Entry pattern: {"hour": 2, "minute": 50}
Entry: {"hour": 4, "minute": 58}
